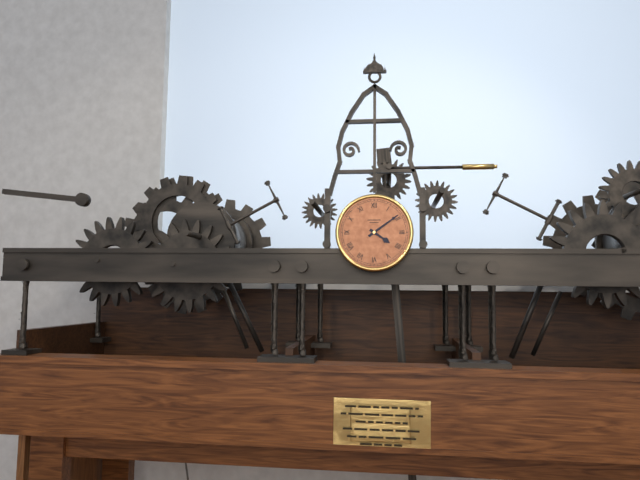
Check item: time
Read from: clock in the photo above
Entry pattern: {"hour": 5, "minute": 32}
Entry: {"hour": 4, "minute": 9}
